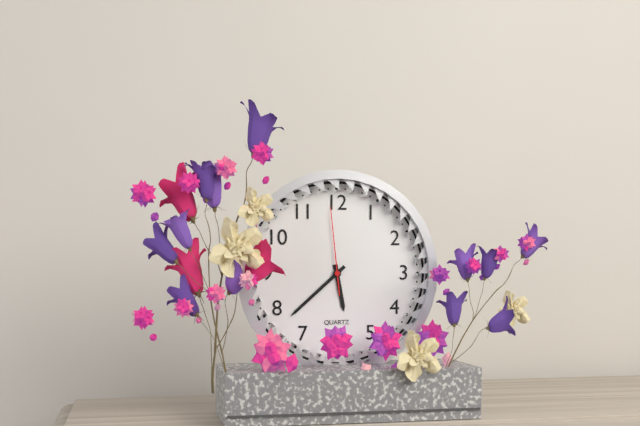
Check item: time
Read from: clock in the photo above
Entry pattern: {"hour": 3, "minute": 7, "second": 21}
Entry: {"hour": 5, "minute": 38, "second": 59}
